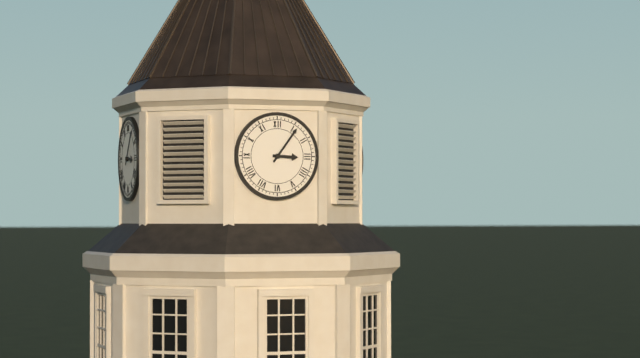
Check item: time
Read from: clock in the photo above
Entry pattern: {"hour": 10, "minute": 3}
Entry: {"hour": 3, "minute": 6}
